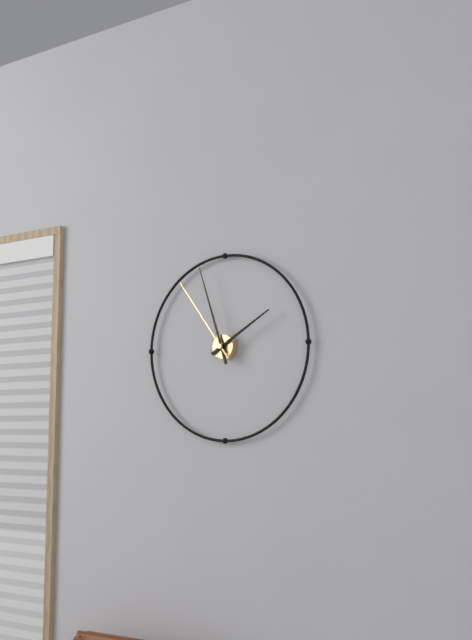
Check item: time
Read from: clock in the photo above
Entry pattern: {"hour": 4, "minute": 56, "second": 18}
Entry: {"hour": 1, "minute": 57, "second": 54}
